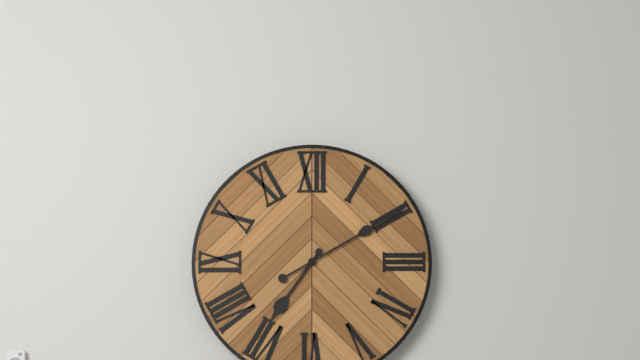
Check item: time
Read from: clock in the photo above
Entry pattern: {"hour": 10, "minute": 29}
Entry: {"hour": 7, "minute": 10}
